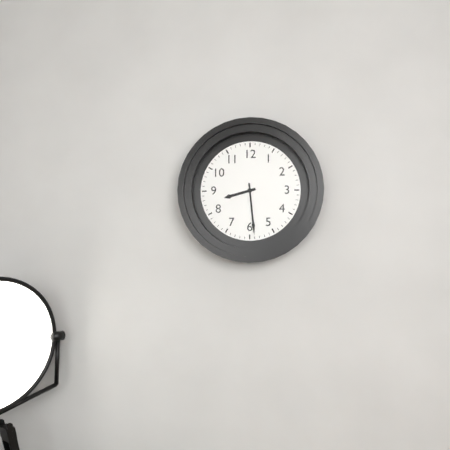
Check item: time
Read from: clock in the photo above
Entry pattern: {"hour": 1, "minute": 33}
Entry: {"hour": 8, "minute": 29}
